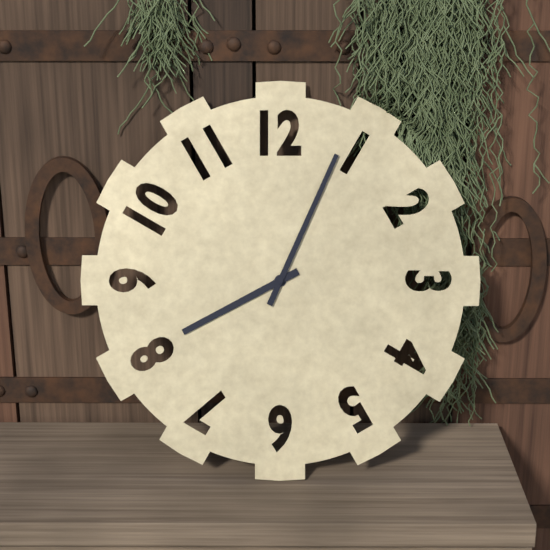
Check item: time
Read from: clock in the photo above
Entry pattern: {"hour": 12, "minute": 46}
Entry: {"hour": 8, "minute": 4}
